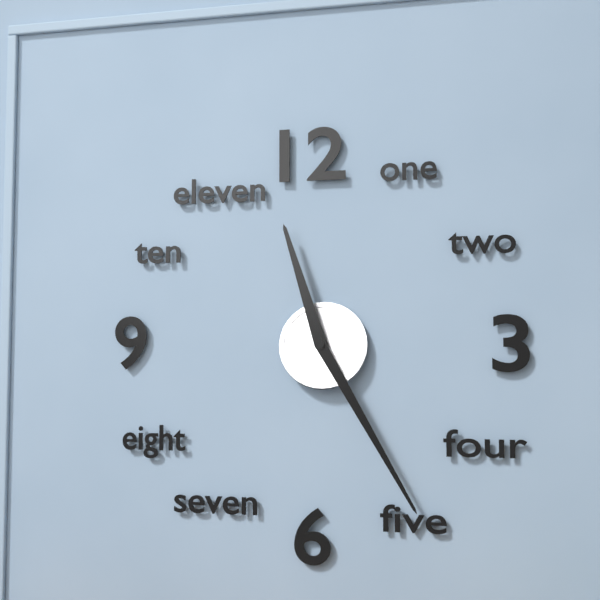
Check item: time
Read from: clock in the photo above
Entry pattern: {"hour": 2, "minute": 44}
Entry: {"hour": 11, "minute": 25}
